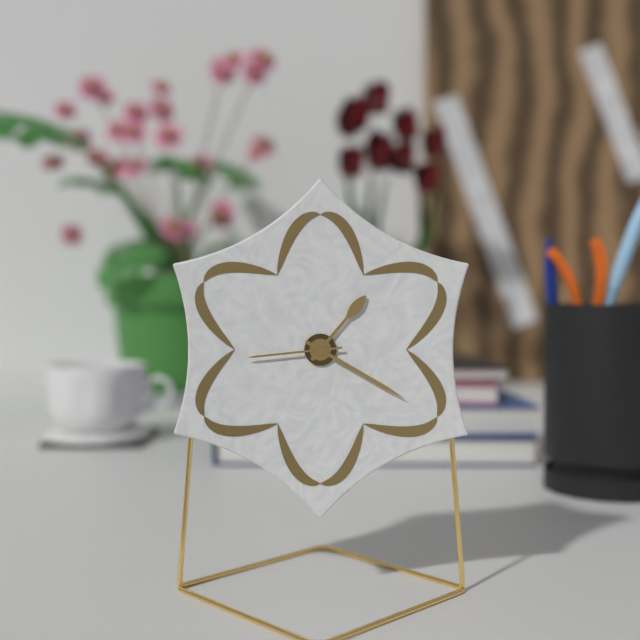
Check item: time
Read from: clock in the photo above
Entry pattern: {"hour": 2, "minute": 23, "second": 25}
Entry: {"hour": 1, "minute": 20, "second": 44}
